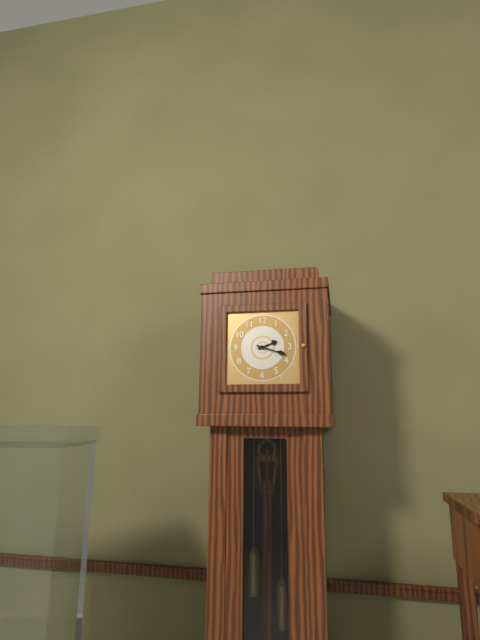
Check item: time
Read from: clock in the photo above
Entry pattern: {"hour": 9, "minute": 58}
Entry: {"hour": 2, "minute": 18}
